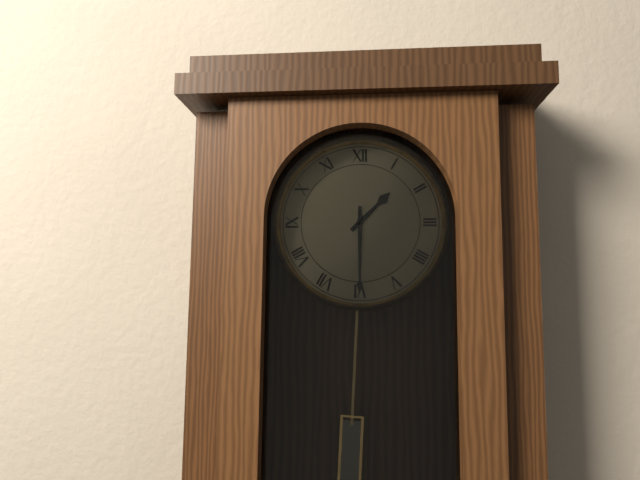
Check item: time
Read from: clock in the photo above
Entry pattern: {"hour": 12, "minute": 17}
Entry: {"hour": 1, "minute": 30}
